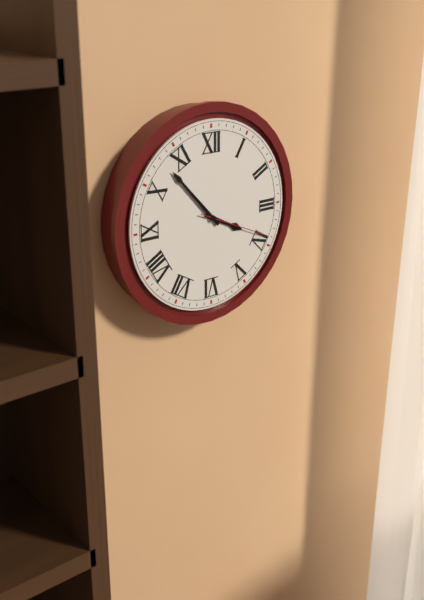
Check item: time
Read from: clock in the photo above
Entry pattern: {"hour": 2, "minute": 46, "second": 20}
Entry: {"hour": 3, "minute": 53, "second": 19}
